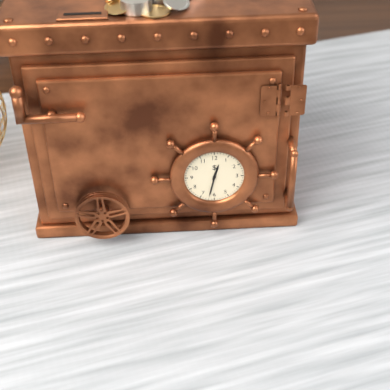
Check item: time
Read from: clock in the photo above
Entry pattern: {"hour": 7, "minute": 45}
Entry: {"hour": 12, "minute": 32}
